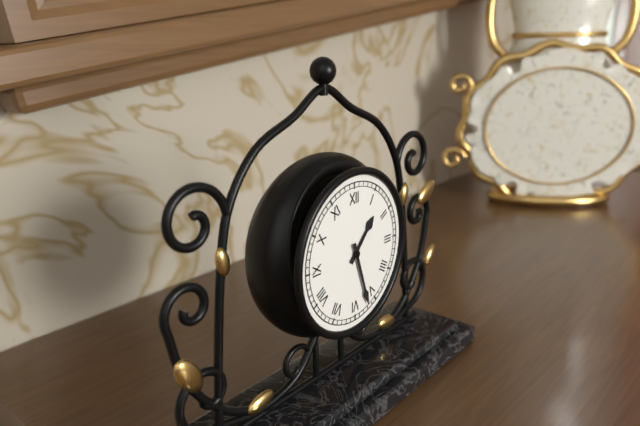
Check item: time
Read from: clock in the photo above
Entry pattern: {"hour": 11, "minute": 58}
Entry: {"hour": 1, "minute": 27}
